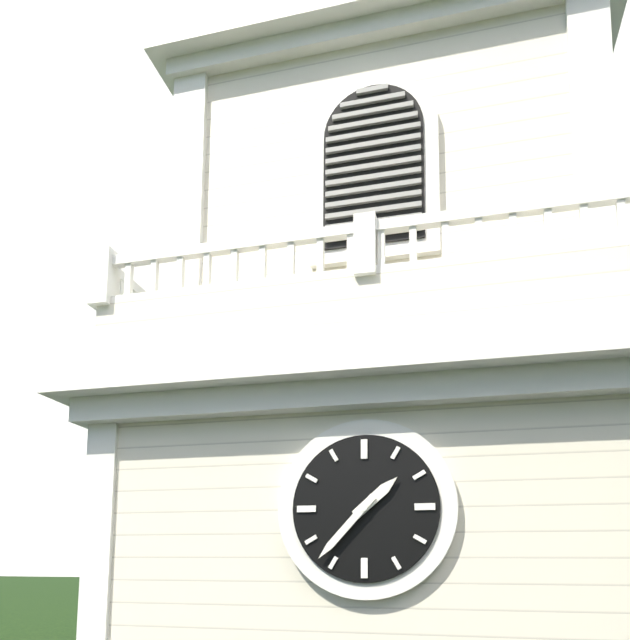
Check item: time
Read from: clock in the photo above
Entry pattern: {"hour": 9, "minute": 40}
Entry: {"hour": 1, "minute": 37}
